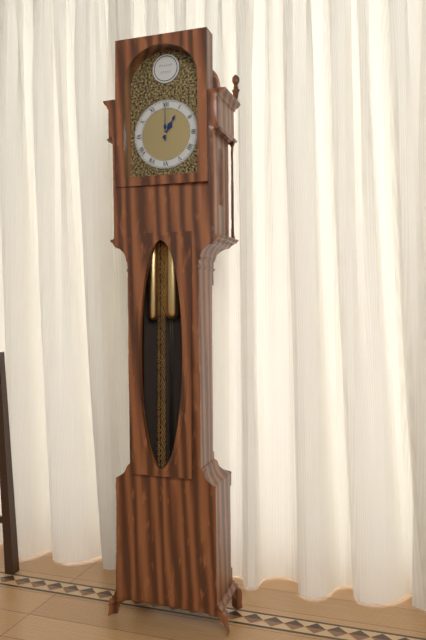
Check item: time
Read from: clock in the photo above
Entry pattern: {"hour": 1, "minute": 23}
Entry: {"hour": 1, "minute": 0}
